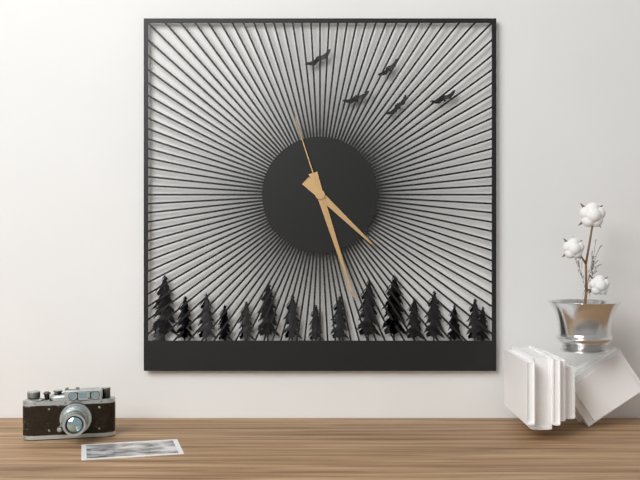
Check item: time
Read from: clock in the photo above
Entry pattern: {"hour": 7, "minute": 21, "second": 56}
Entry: {"hour": 4, "minute": 27, "second": 57}
